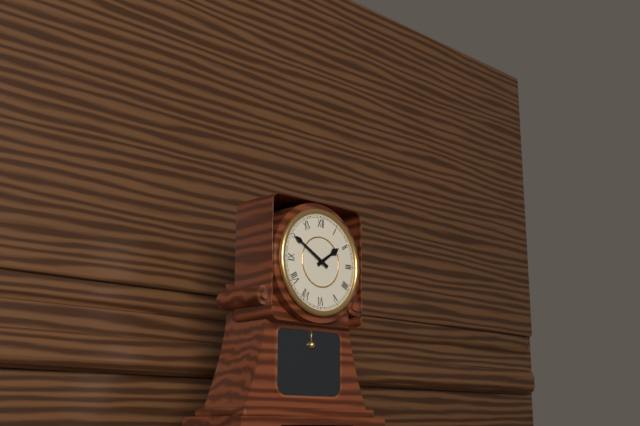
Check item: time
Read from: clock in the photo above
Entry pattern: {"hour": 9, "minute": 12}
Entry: {"hour": 1, "minute": 50}
